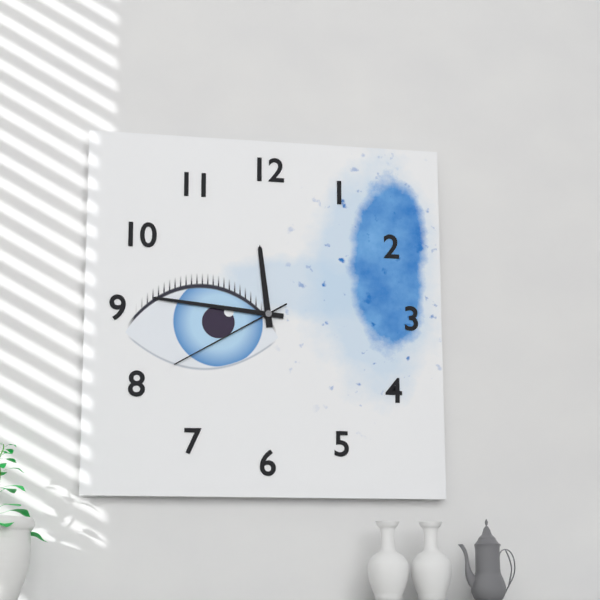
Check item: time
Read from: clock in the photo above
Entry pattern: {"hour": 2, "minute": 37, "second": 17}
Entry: {"hour": 11, "minute": 46, "second": 40}
